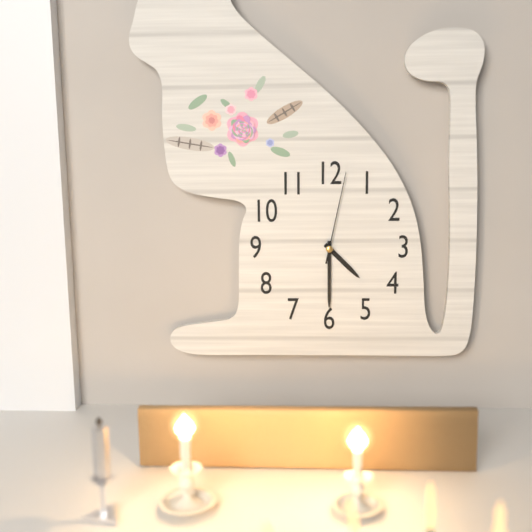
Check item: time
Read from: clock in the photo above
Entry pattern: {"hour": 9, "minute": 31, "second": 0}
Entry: {"hour": 4, "minute": 30, "second": 2}
